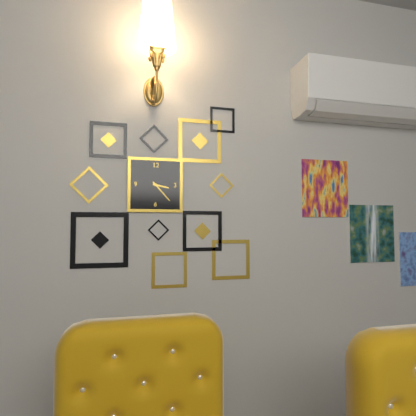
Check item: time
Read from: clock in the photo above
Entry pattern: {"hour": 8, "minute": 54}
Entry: {"hour": 3, "minute": 23}
